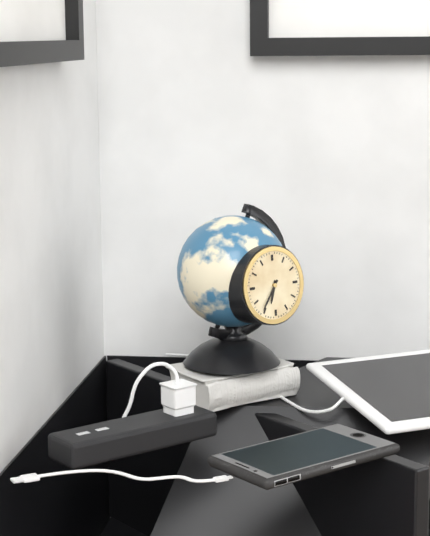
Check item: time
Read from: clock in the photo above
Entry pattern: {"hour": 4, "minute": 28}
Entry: {"hour": 6, "minute": 36}
